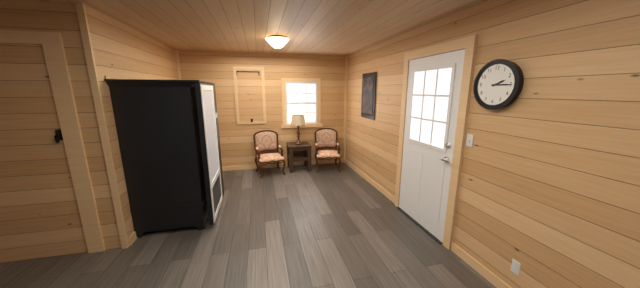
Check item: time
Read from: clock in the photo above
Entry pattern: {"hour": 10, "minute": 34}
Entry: {"hour": 2, "minute": 15}
